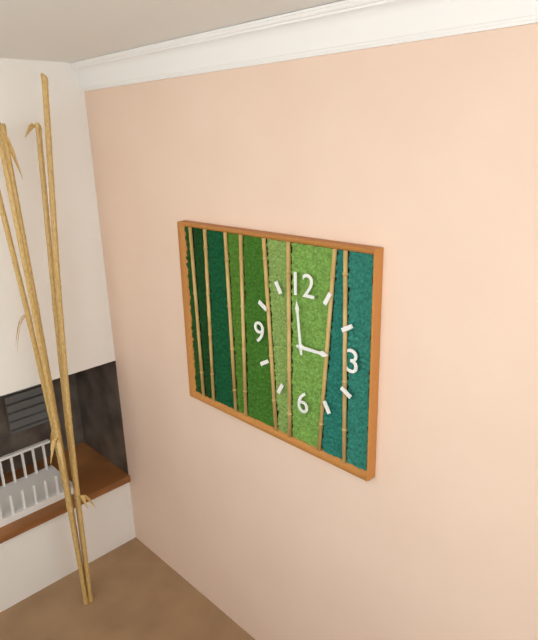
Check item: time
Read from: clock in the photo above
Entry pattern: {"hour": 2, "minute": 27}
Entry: {"hour": 2, "minute": 59}
